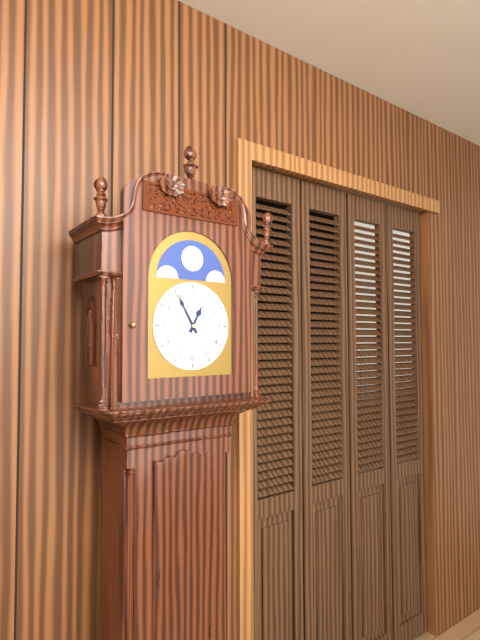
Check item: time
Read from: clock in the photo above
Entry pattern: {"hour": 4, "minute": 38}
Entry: {"hour": 12, "minute": 55}
